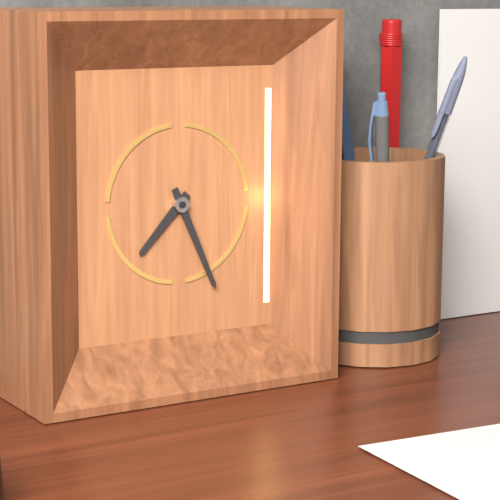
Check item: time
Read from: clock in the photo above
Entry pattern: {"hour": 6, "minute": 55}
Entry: {"hour": 7, "minute": 26}
